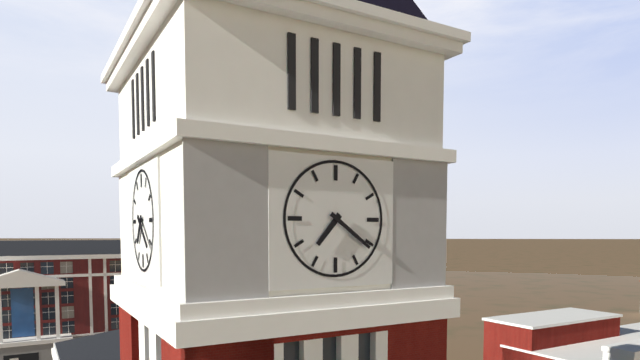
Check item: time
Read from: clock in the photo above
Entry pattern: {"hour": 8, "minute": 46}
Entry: {"hour": 7, "minute": 21}
